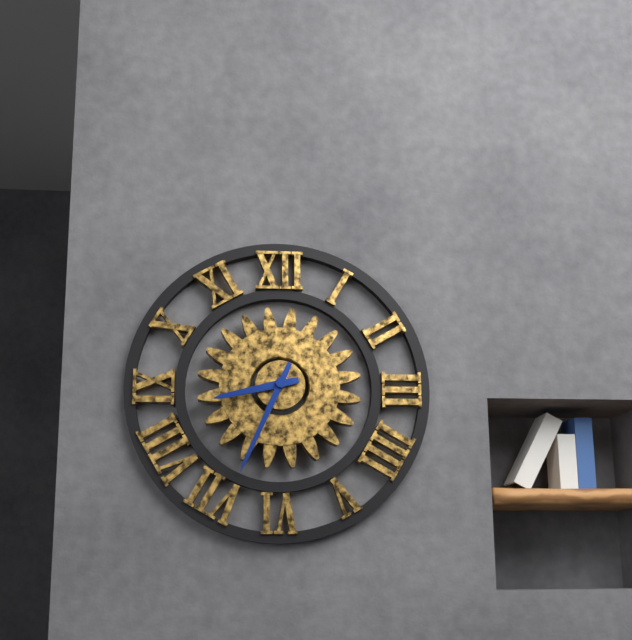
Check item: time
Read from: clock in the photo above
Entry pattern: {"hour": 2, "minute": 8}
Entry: {"hour": 8, "minute": 34}
